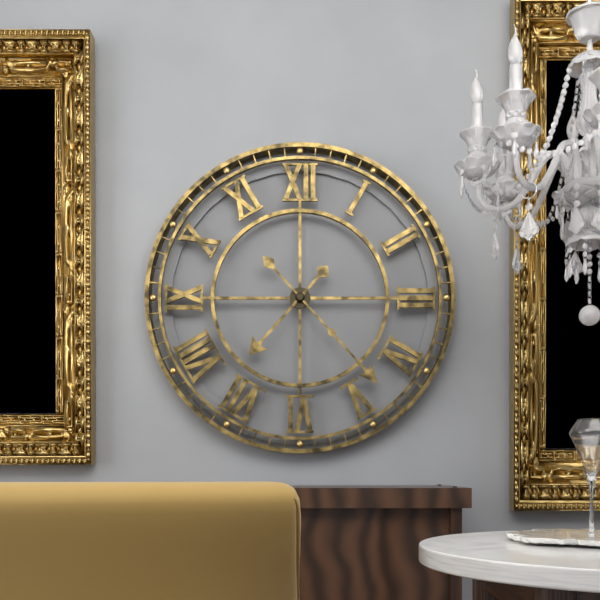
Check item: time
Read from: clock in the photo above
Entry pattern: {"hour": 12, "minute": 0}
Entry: {"hour": 7, "minute": 23}
